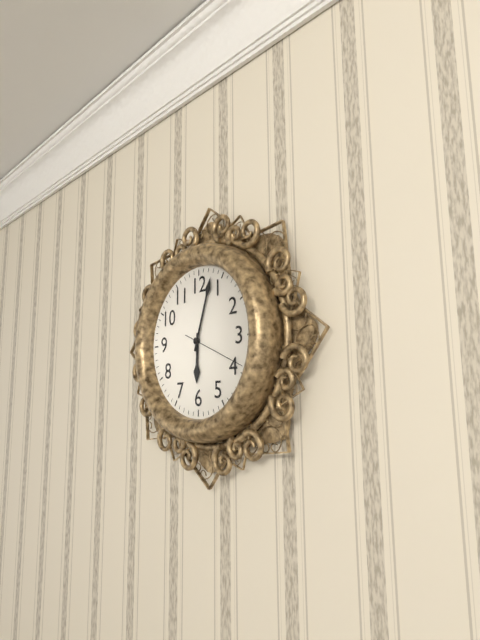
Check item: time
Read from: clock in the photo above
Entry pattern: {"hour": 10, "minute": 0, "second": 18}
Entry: {"hour": 6, "minute": 3, "second": 19}
